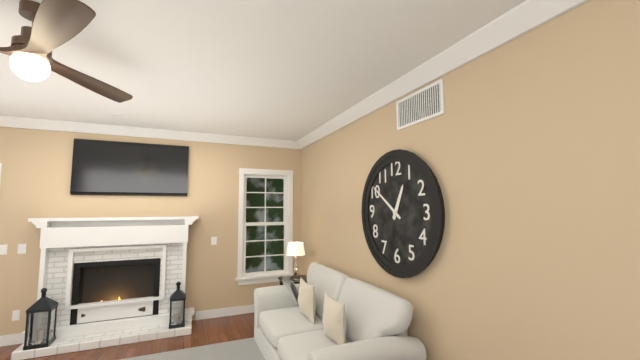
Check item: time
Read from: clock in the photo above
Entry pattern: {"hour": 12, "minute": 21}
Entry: {"hour": 12, "minute": 51}
